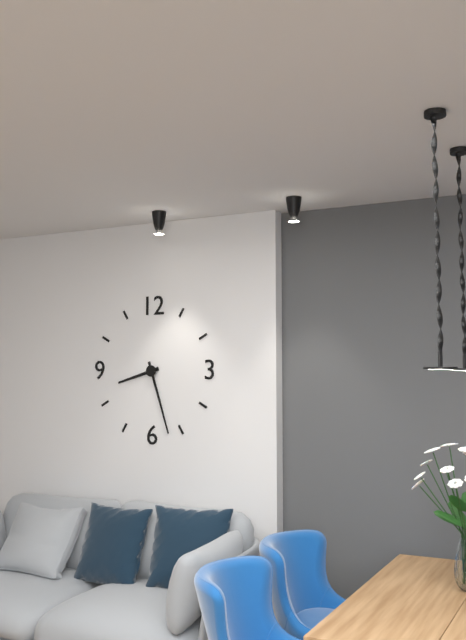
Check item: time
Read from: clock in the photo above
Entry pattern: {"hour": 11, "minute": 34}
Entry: {"hour": 8, "minute": 27}
